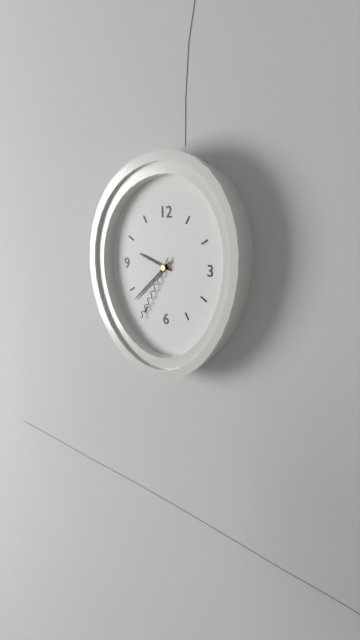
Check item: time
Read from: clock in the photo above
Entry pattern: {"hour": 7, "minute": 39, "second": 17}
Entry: {"hour": 9, "minute": 38, "second": 35}
